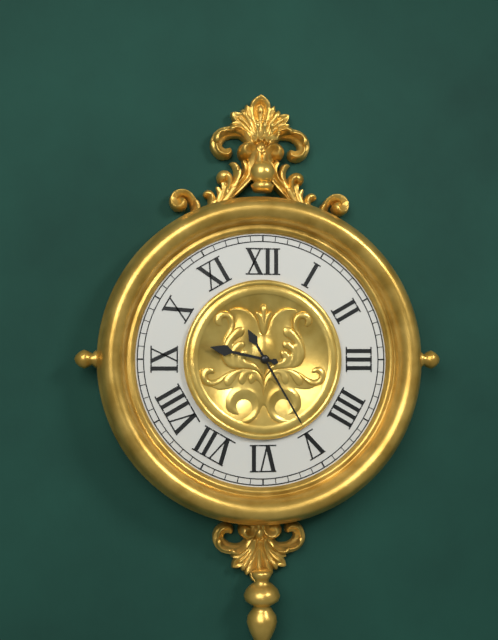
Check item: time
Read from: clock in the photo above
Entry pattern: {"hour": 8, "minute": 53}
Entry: {"hour": 9, "minute": 25}
